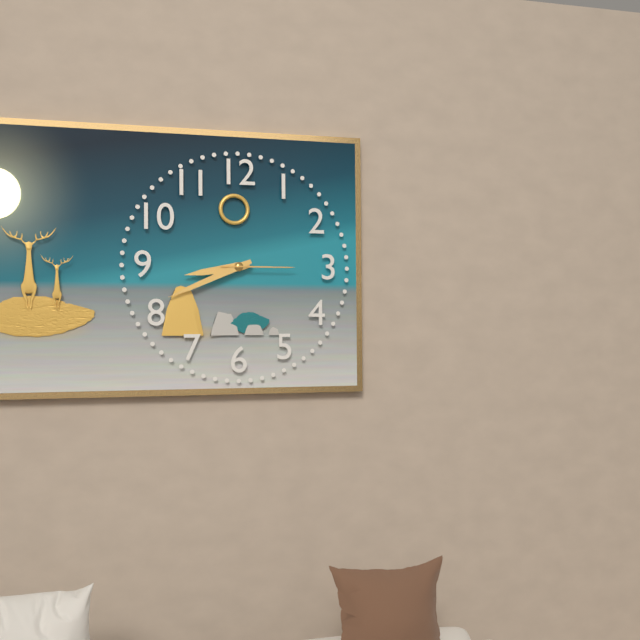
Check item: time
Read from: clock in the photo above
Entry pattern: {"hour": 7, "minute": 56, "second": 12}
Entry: {"hour": 8, "minute": 41, "second": 15}
